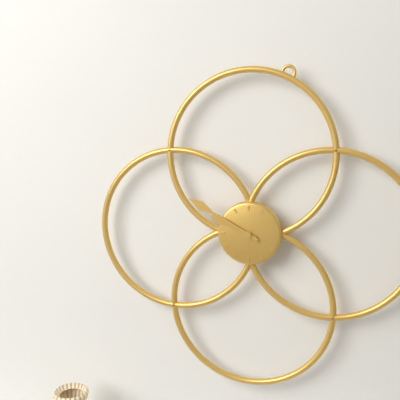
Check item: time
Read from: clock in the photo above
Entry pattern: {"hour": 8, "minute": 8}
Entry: {"hour": 9, "minute": 50}
